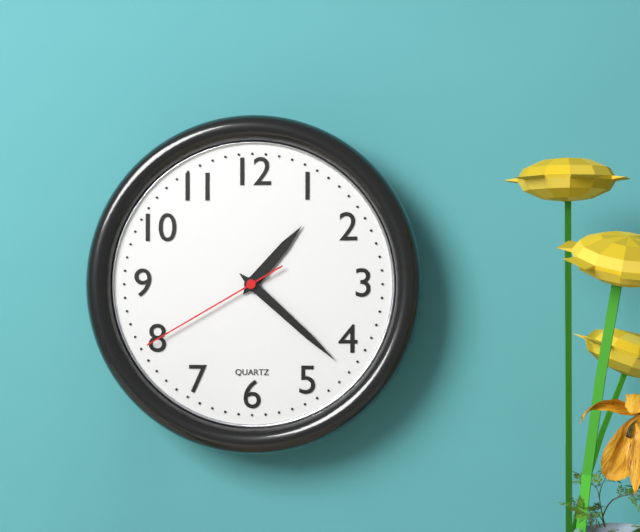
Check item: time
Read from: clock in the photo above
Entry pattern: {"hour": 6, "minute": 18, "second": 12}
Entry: {"hour": 1, "minute": 22, "second": 40}
